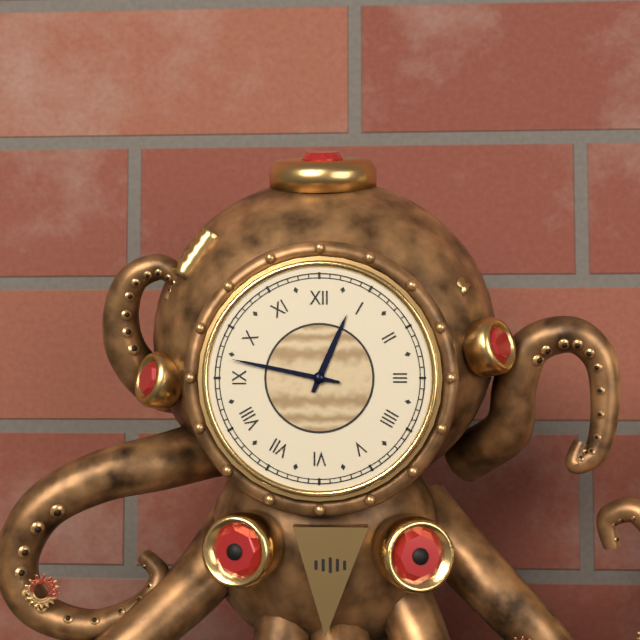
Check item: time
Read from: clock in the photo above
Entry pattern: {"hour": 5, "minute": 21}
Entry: {"hour": 12, "minute": 47}
